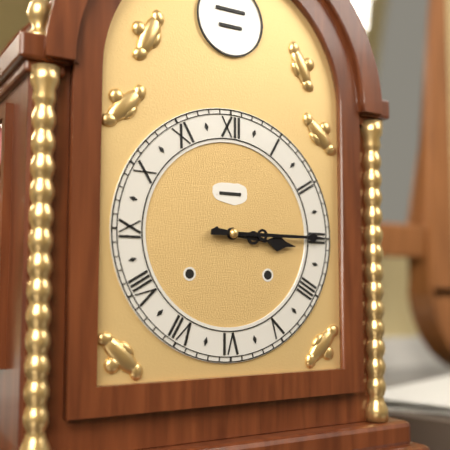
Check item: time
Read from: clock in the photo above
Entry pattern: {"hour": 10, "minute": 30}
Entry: {"hour": 3, "minute": 15}
